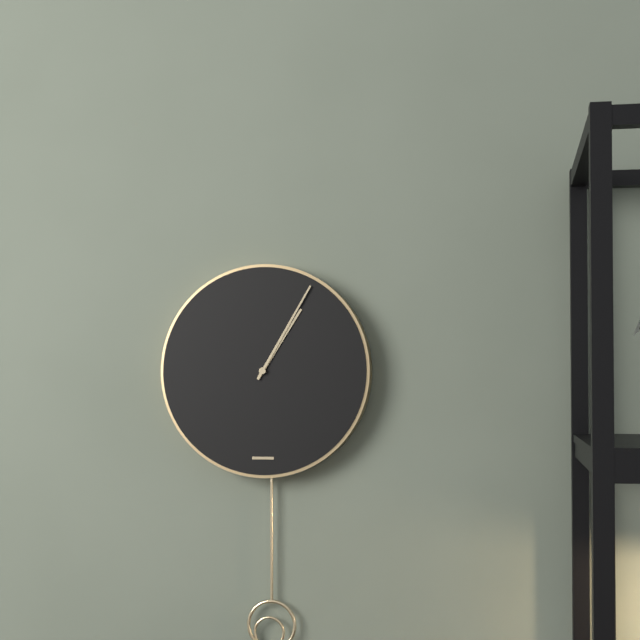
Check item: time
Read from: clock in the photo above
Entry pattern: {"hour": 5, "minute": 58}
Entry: {"hour": 1, "minute": 5}
